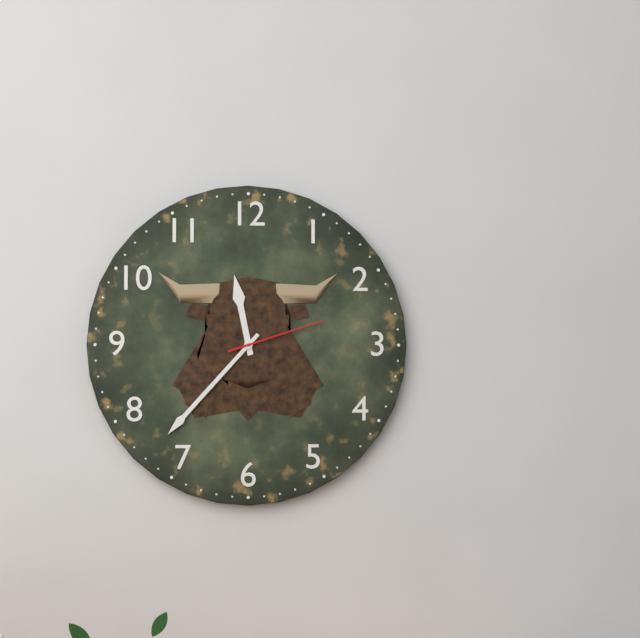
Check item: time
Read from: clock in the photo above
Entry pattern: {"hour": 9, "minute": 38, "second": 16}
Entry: {"hour": 11, "minute": 37, "second": 12}
